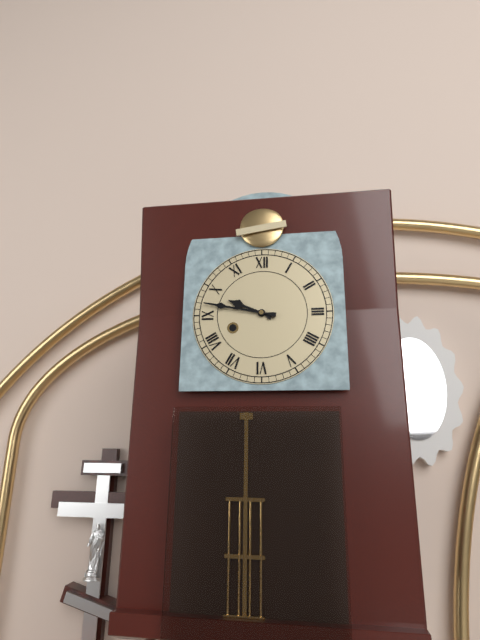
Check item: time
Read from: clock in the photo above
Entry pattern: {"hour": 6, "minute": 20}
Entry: {"hour": 9, "minute": 47}
